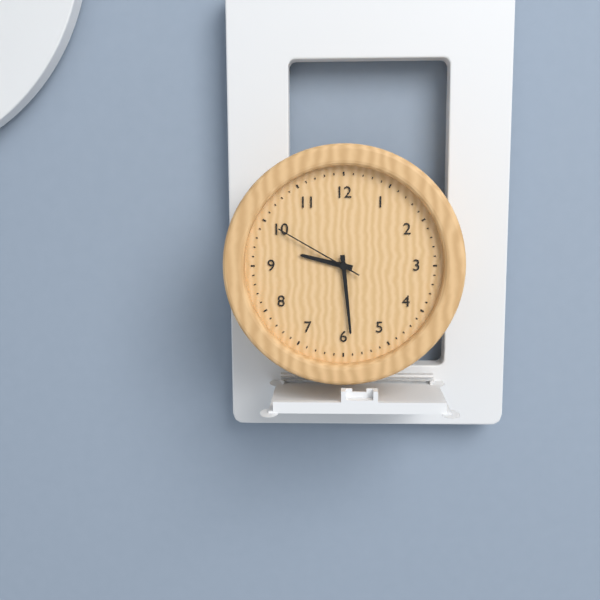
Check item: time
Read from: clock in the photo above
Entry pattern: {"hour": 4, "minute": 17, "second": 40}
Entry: {"hour": 9, "minute": 29, "second": 50}
